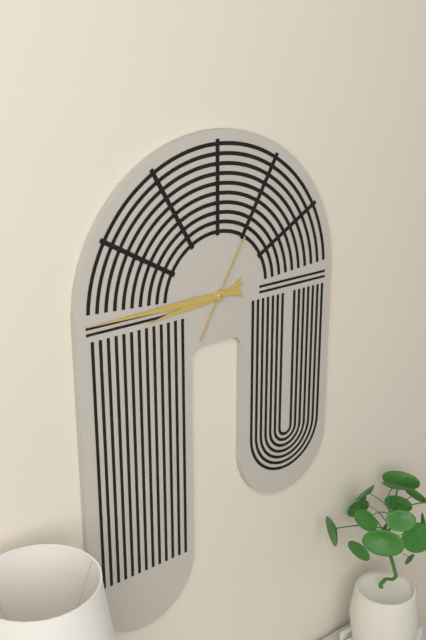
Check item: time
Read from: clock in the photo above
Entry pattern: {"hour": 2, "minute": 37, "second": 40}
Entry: {"hour": 8, "minute": 45, "second": 5}
